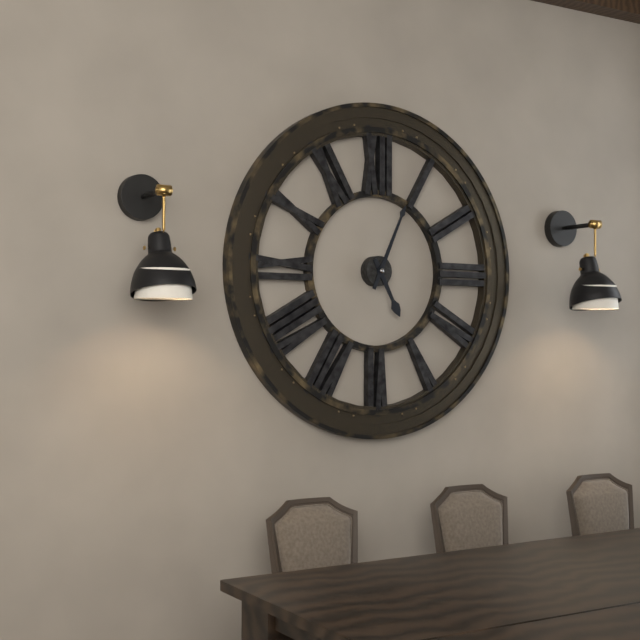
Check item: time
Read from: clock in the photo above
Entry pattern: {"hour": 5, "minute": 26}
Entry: {"hour": 5, "minute": 4}
